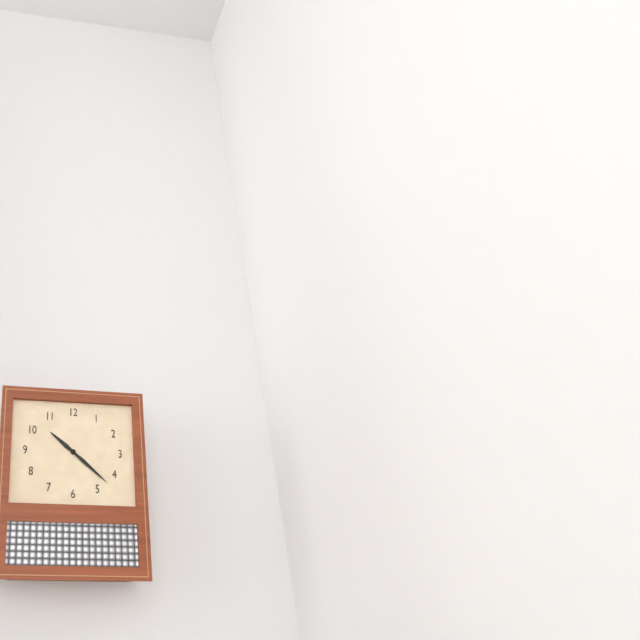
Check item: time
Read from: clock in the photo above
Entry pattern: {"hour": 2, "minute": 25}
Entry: {"hour": 10, "minute": 22}
